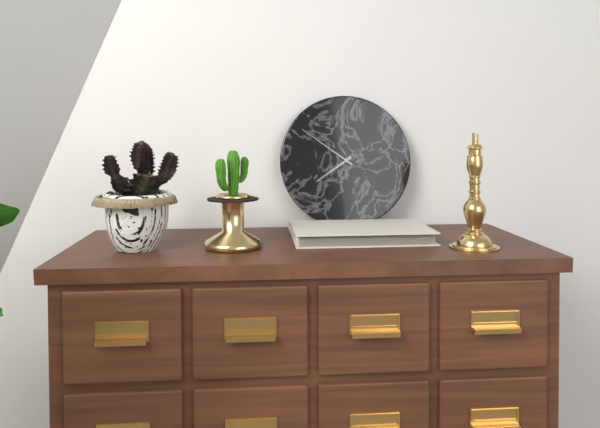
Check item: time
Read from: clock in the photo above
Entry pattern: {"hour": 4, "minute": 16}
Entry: {"hour": 7, "minute": 51}
